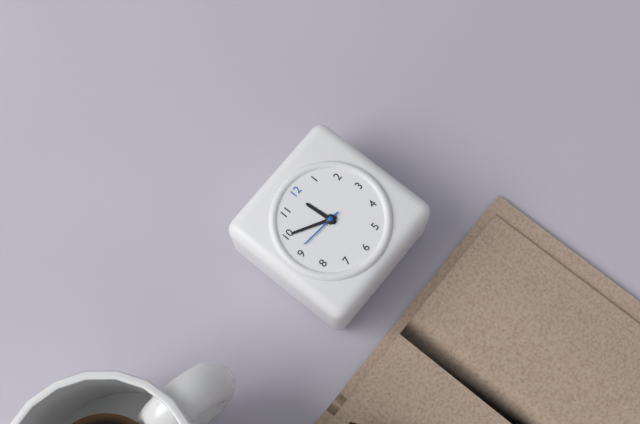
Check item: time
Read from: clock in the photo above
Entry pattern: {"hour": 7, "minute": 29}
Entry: {"hour": 11, "minute": 50}
